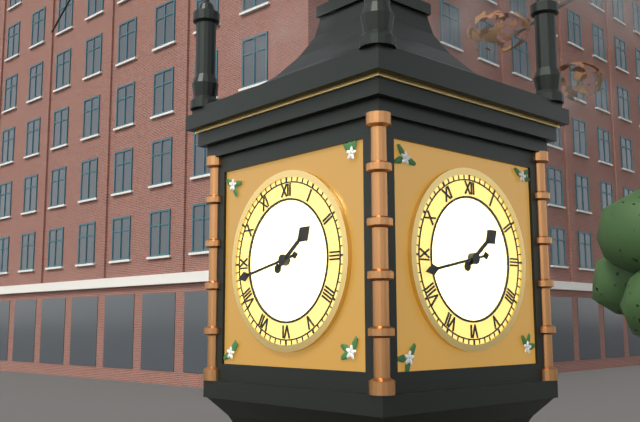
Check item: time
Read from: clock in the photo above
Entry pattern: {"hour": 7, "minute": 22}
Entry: {"hour": 1, "minute": 43}
